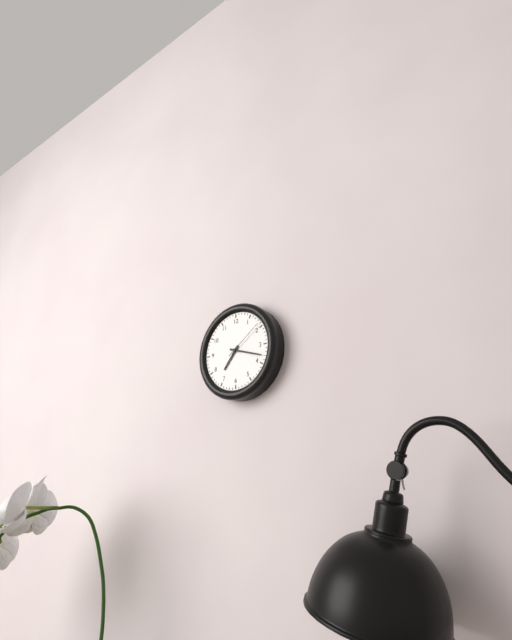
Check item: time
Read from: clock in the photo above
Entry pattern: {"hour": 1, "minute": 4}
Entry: {"hour": 7, "minute": 18}
